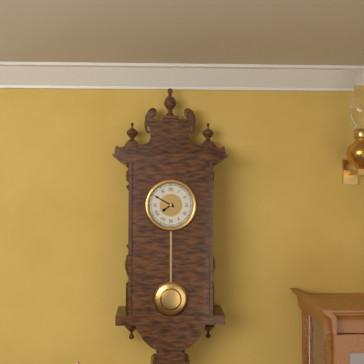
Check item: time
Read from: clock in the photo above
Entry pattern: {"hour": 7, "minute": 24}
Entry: {"hour": 7, "minute": 50}
